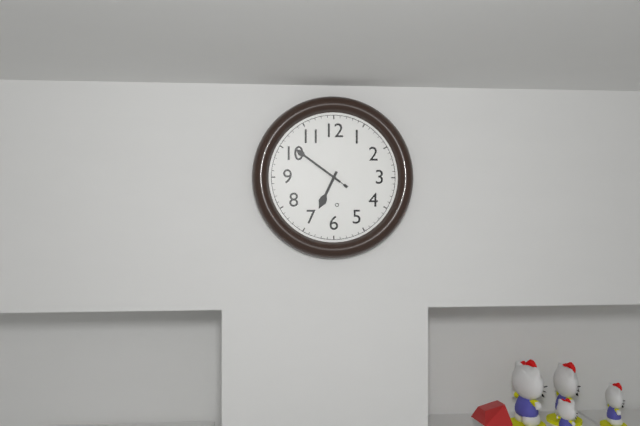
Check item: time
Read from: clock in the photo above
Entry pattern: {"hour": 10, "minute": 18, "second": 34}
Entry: {"hour": 6, "minute": 51, "second": 51}
